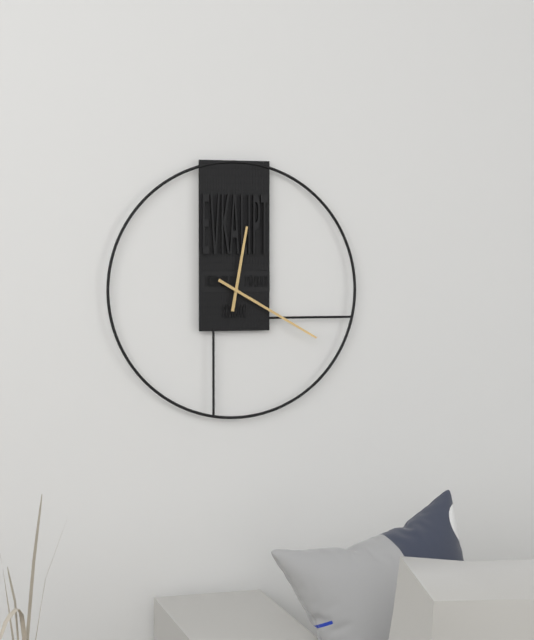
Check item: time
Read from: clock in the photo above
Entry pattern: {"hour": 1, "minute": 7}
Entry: {"hour": 12, "minute": 20}
